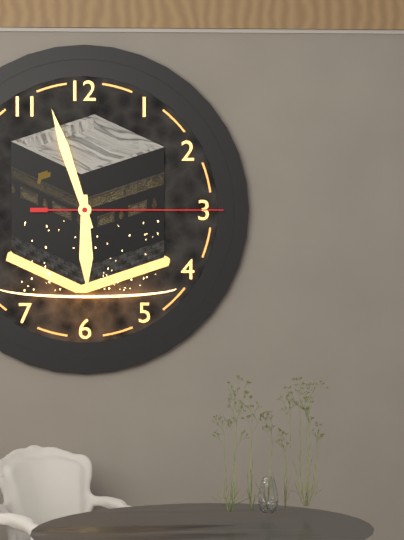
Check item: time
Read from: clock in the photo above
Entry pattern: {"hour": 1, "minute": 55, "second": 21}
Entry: {"hour": 5, "minute": 57, "second": 15}
